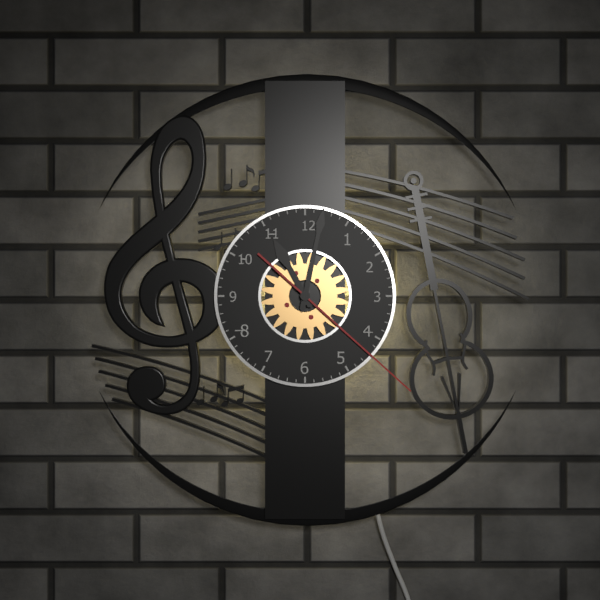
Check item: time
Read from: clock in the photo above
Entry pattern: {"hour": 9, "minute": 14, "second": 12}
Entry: {"hour": 11, "minute": 2, "second": 22}
